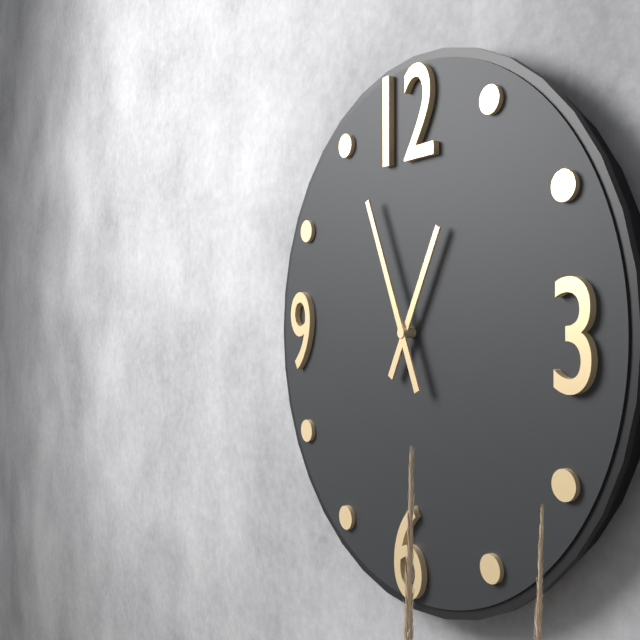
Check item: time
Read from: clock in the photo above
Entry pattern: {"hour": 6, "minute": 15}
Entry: {"hour": 12, "minute": 56}
